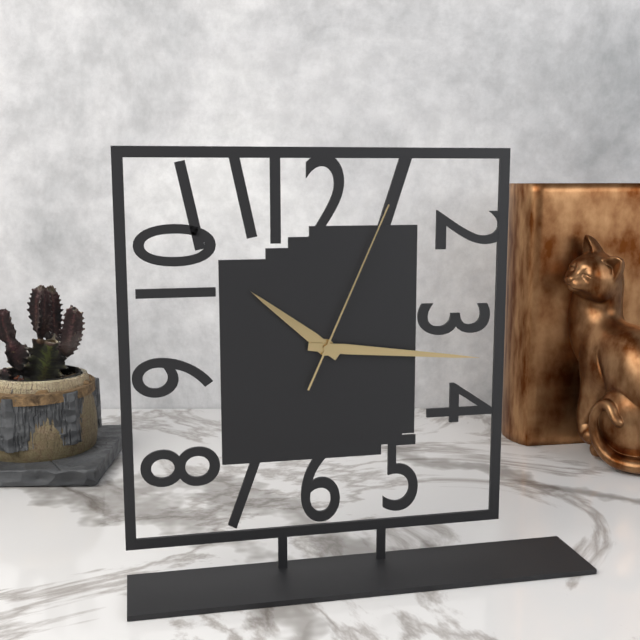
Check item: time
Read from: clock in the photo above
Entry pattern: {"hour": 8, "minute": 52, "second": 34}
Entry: {"hour": 10, "minute": 16, "second": 4}
